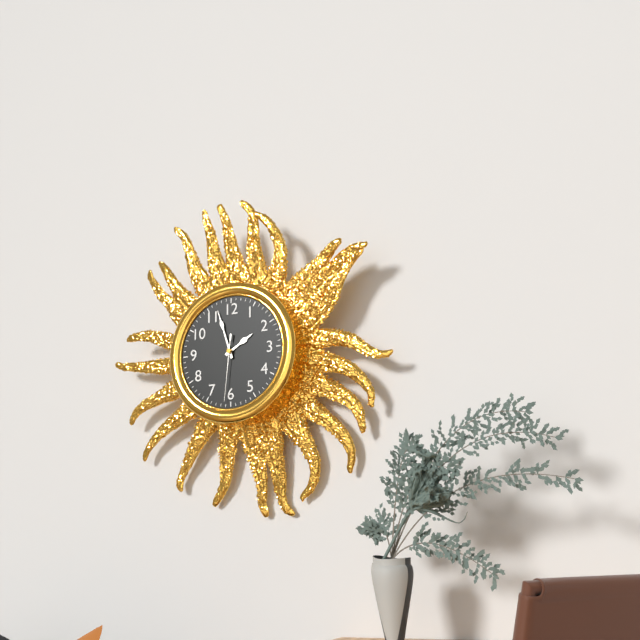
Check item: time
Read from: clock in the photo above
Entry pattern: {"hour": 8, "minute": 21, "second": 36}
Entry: {"hour": 1, "minute": 57, "second": 31}
